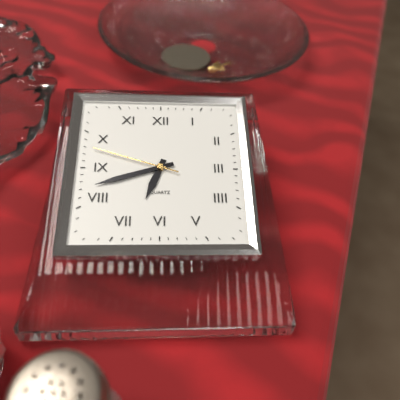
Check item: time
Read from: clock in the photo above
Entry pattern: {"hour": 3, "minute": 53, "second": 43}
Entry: {"hour": 6, "minute": 42, "second": 48}
